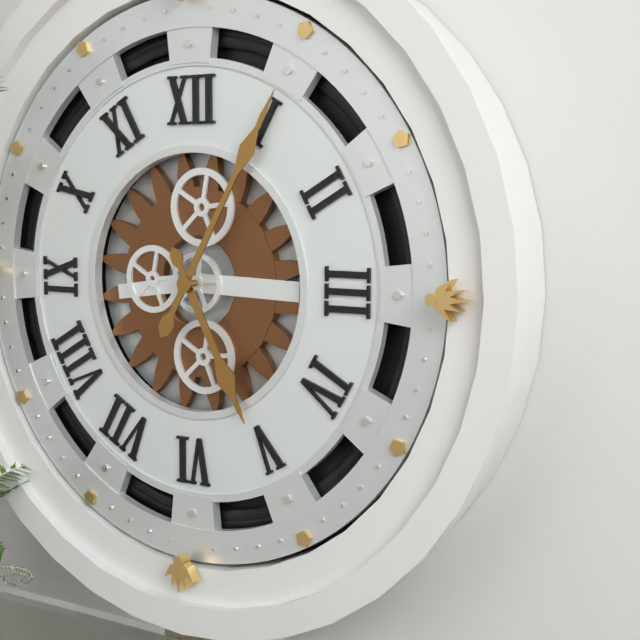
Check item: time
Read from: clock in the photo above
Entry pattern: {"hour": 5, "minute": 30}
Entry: {"hour": 5, "minute": 5}
